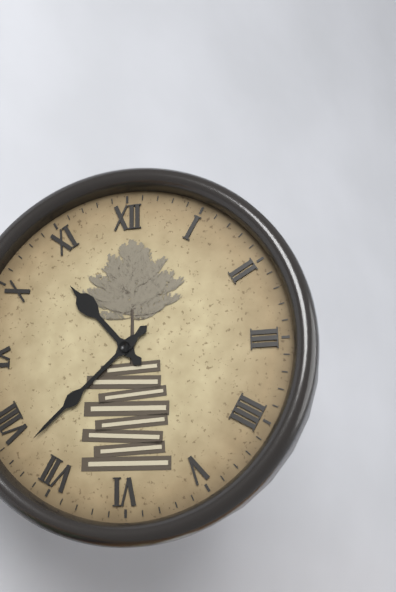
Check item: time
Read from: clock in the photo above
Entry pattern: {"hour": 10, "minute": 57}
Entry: {"hour": 10, "minute": 38}
